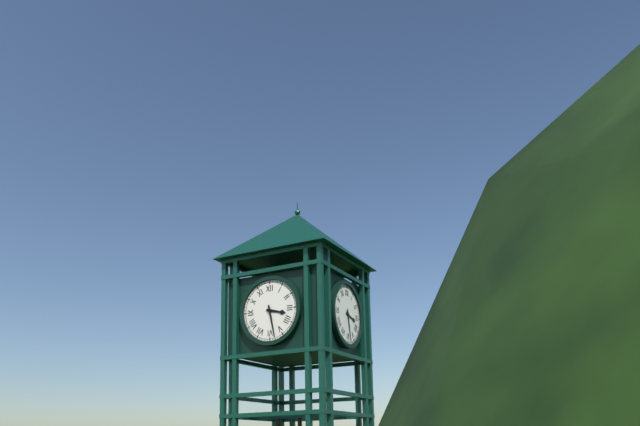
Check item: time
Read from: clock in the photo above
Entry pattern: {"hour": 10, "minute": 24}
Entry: {"hour": 3, "minute": 28}
